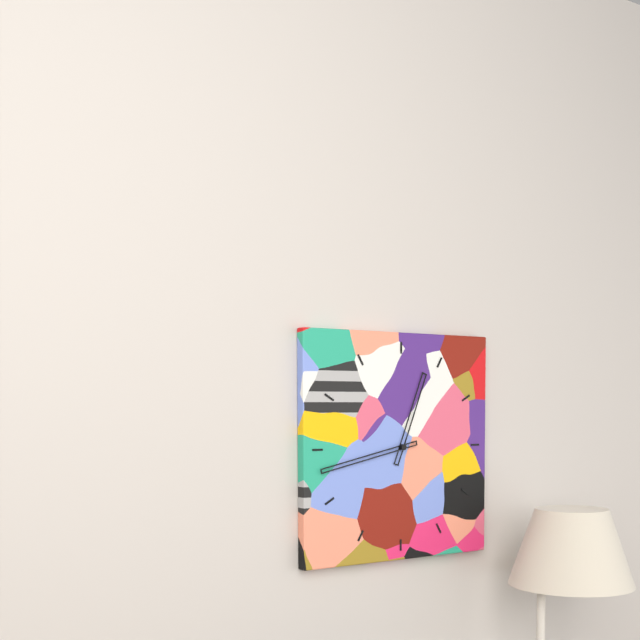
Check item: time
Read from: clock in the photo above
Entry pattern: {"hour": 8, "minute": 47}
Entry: {"hour": 12, "minute": 43}
